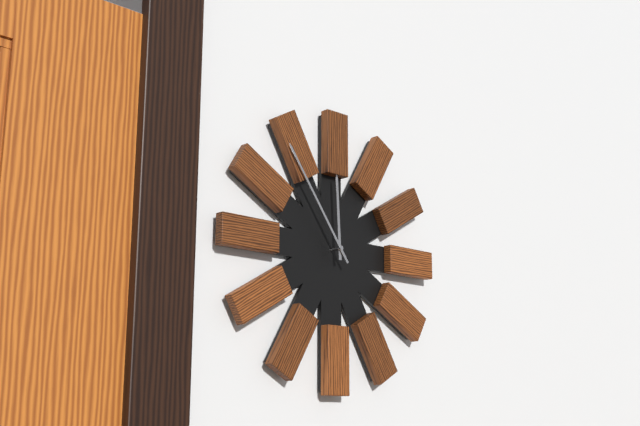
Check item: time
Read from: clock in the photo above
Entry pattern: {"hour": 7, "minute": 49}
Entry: {"hour": 11, "minute": 54}
